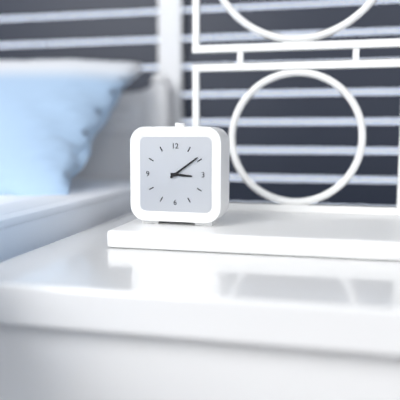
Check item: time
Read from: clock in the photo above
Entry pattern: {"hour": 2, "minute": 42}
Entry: {"hour": 3, "minute": 9}
